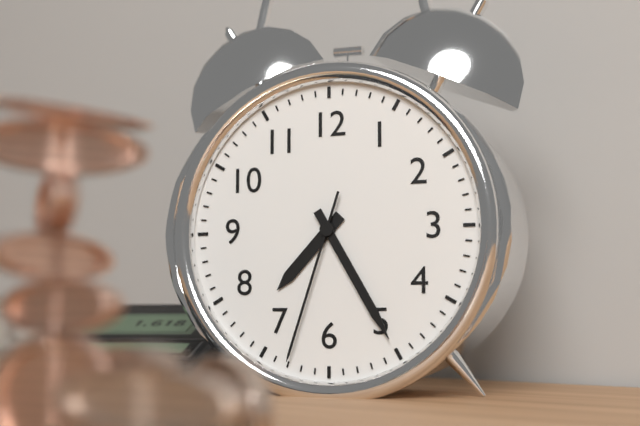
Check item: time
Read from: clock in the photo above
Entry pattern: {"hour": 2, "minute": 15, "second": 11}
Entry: {"hour": 7, "minute": 25, "second": 33}
